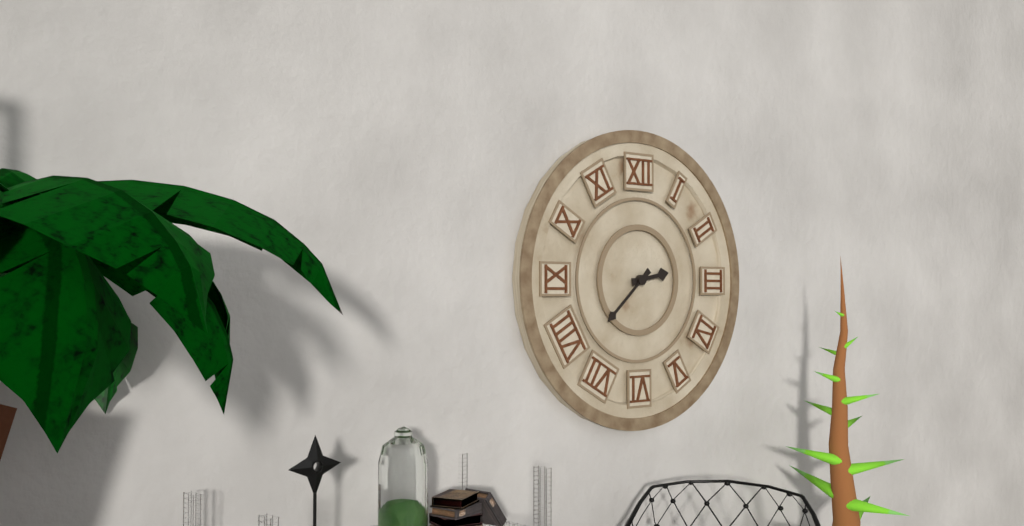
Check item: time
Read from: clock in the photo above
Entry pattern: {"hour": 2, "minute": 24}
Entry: {"hour": 2, "minute": 38}
